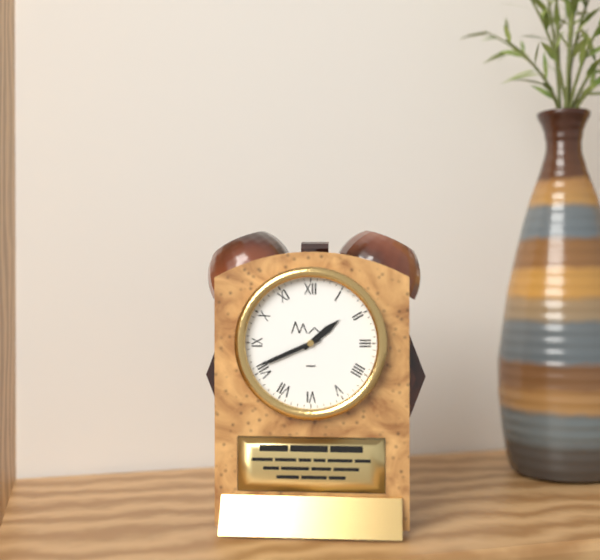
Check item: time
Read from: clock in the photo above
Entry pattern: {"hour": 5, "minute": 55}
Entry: {"hour": 1, "minute": 41}
